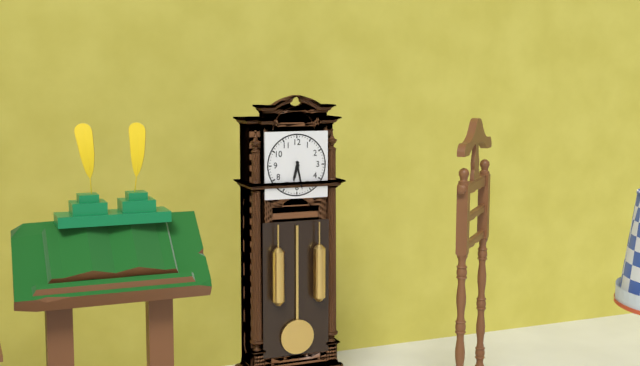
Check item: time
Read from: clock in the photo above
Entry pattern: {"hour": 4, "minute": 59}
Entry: {"hour": 6, "minute": 28}
